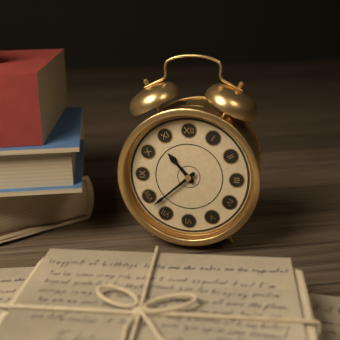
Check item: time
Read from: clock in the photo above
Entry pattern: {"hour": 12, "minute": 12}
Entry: {"hour": 10, "minute": 38}
